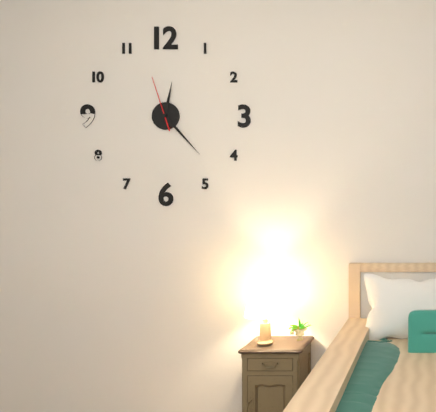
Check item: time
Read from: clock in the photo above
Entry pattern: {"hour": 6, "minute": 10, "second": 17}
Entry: {"hour": 12, "minute": 23, "second": 57}
